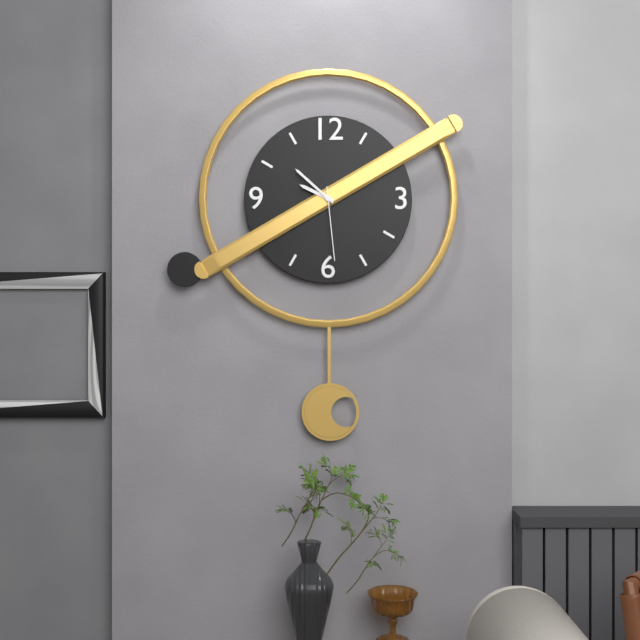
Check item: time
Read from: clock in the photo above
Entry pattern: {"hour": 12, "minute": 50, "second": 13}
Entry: {"hour": 9, "minute": 52, "second": 29}
